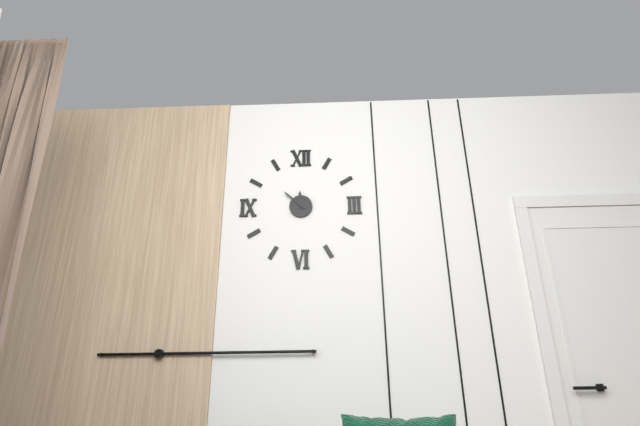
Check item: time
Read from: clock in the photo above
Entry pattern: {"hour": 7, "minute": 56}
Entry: {"hour": 11, "minute": 52}
